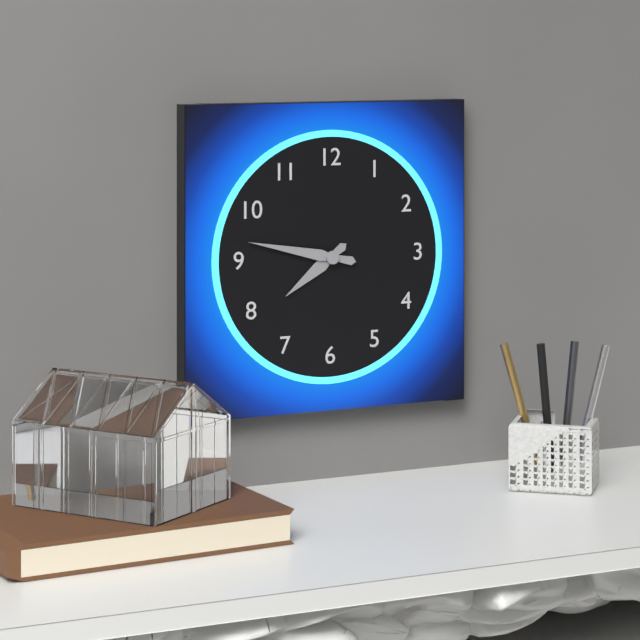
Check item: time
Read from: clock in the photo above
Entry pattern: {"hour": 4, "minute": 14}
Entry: {"hour": 7, "minute": 47}
